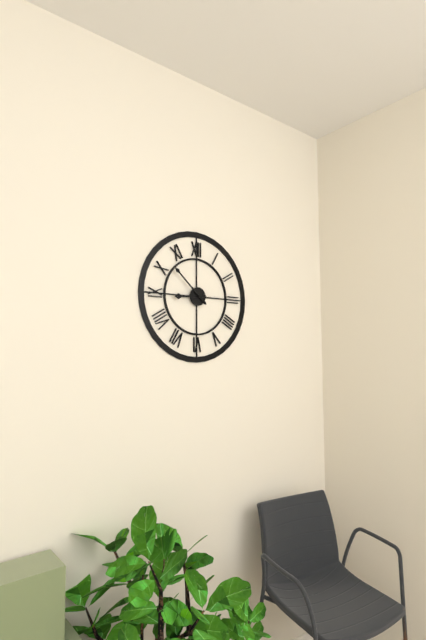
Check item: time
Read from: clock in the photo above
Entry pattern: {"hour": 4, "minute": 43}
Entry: {"hour": 8, "minute": 52}
